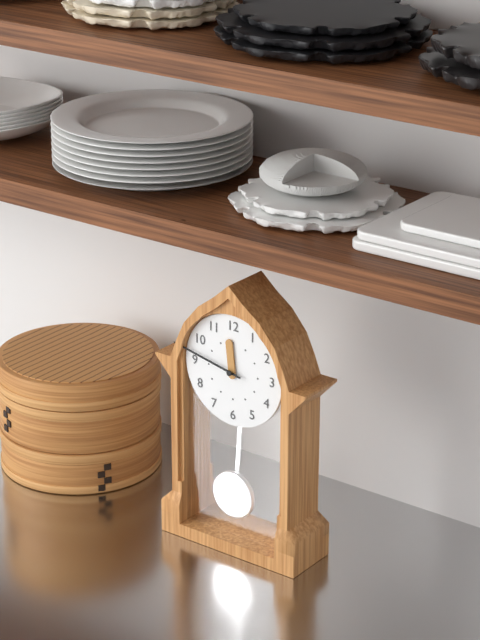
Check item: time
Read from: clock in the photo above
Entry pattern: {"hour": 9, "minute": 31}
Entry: {"hour": 11, "minute": 47}
